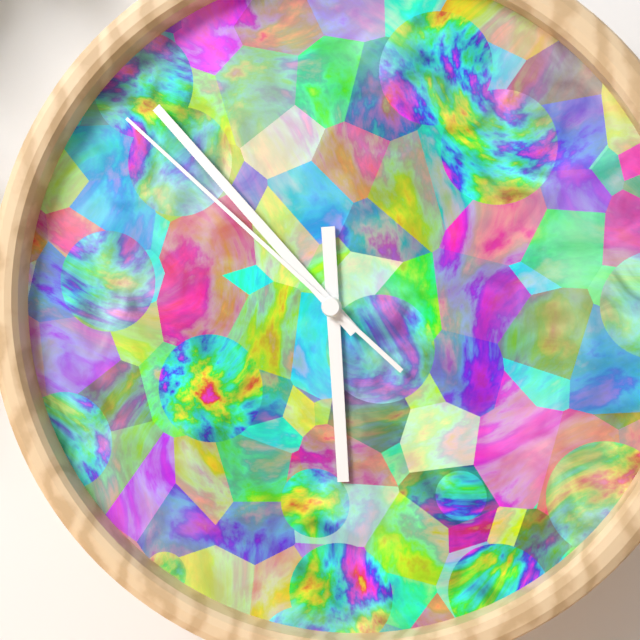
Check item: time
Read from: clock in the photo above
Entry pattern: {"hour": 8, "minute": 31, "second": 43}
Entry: {"hour": 5, "minute": 53, "second": 52}
